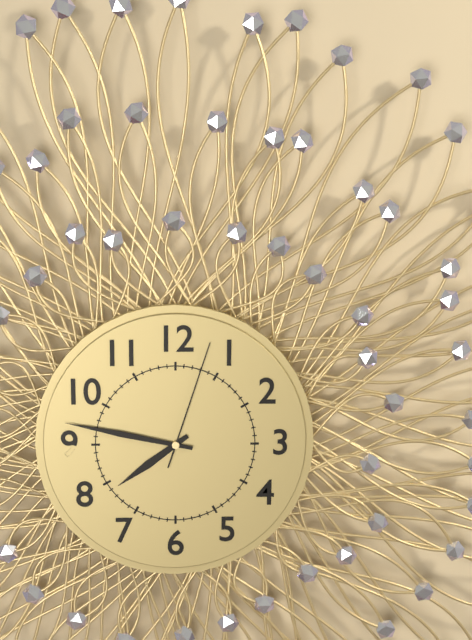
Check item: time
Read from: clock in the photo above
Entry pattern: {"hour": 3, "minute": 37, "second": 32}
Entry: {"hour": 7, "minute": 47, "second": 3}
